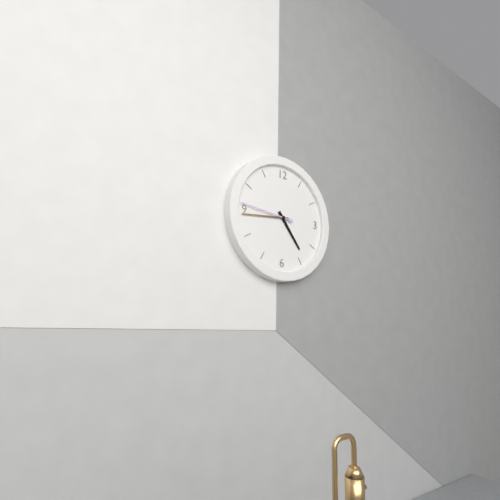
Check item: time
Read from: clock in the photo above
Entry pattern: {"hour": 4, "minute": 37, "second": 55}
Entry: {"hour": 4, "minute": 44, "second": 46}
